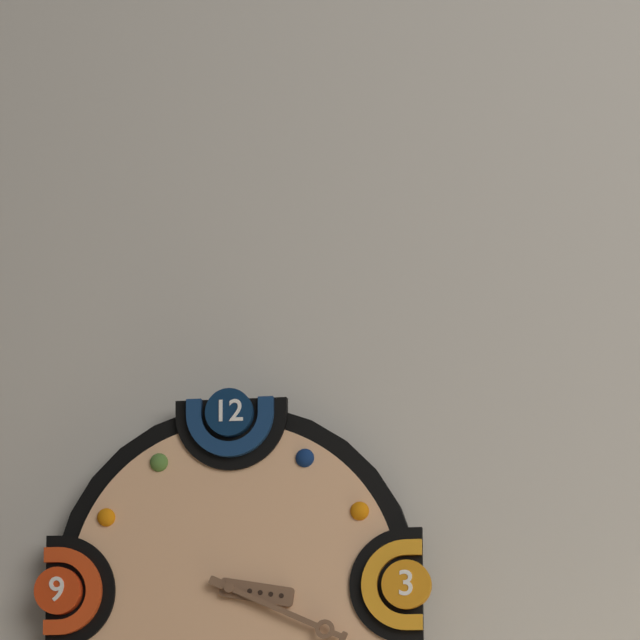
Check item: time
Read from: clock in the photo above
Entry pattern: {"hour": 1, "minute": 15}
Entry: {"hour": 3, "minute": 19}
